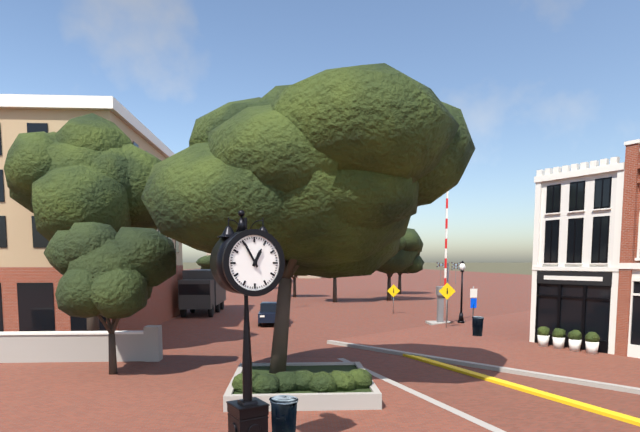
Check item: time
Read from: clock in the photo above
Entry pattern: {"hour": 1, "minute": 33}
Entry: {"hour": 12, "minute": 55}
